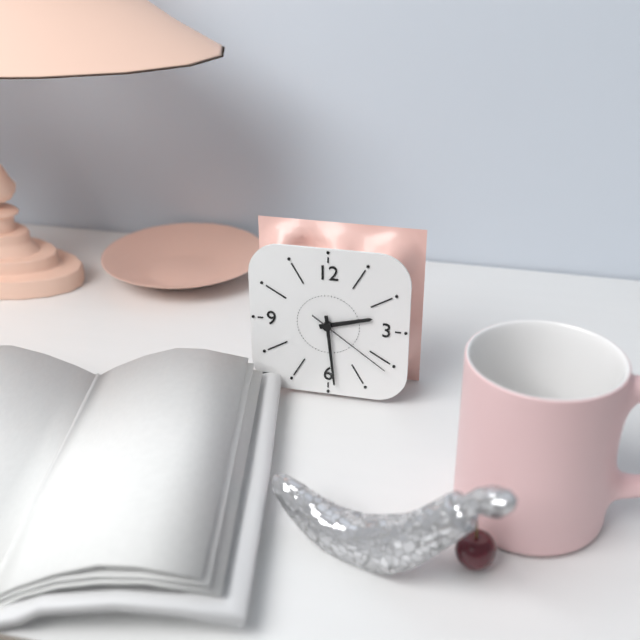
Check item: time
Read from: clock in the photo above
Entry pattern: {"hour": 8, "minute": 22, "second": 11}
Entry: {"hour": 2, "minute": 29, "second": 21}
